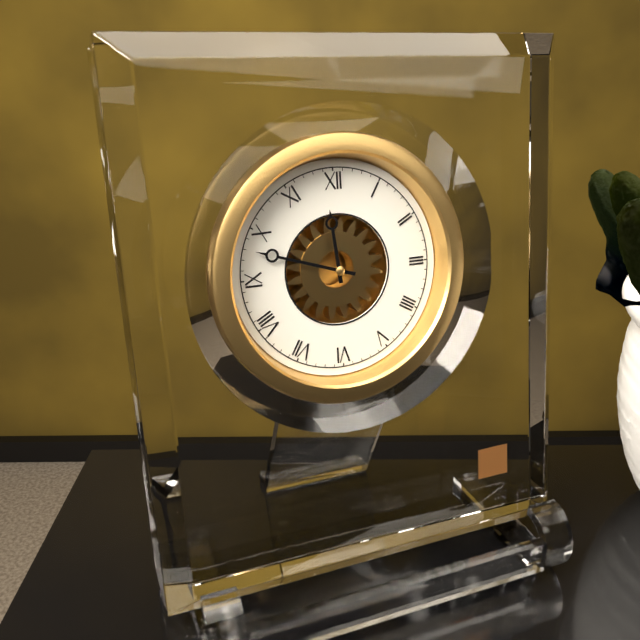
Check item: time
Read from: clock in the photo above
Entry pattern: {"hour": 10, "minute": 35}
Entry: {"hour": 11, "minute": 48}
